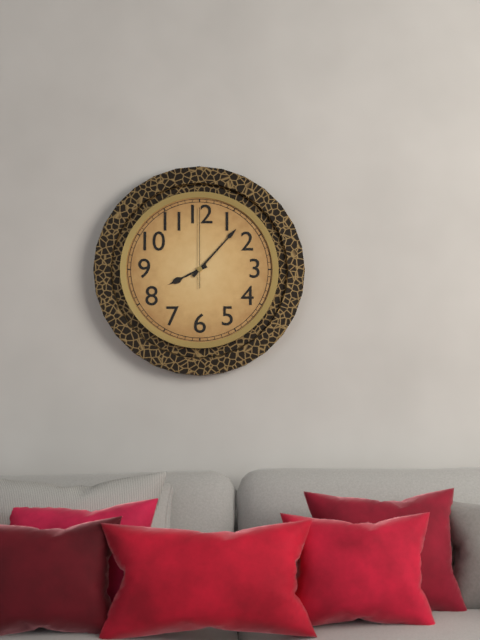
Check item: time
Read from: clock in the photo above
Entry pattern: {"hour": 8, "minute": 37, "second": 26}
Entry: {"hour": 8, "minute": 7, "second": 0}
